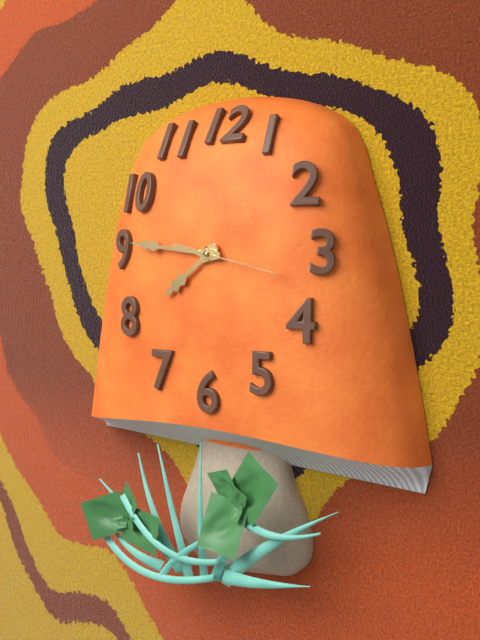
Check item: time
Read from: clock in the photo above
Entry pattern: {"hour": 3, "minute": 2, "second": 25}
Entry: {"hour": 7, "minute": 46, "second": 17}
